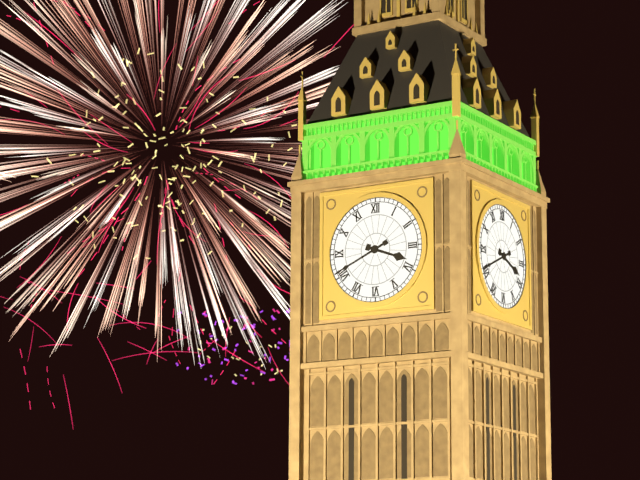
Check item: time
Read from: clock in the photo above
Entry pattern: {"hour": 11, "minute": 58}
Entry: {"hour": 3, "minute": 41}
